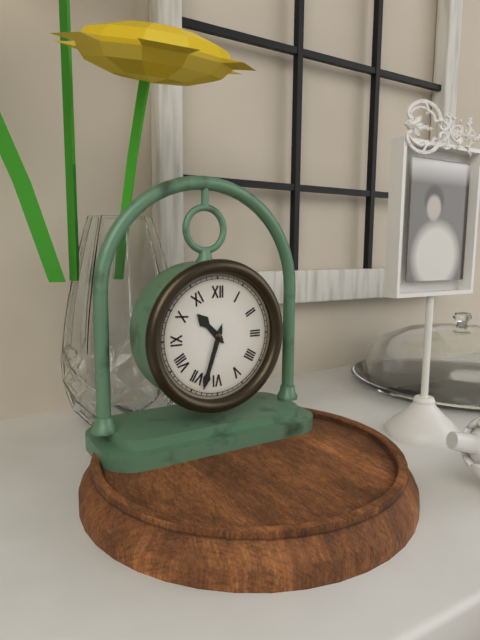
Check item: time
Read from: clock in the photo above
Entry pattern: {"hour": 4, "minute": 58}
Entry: {"hour": 10, "minute": 33}
